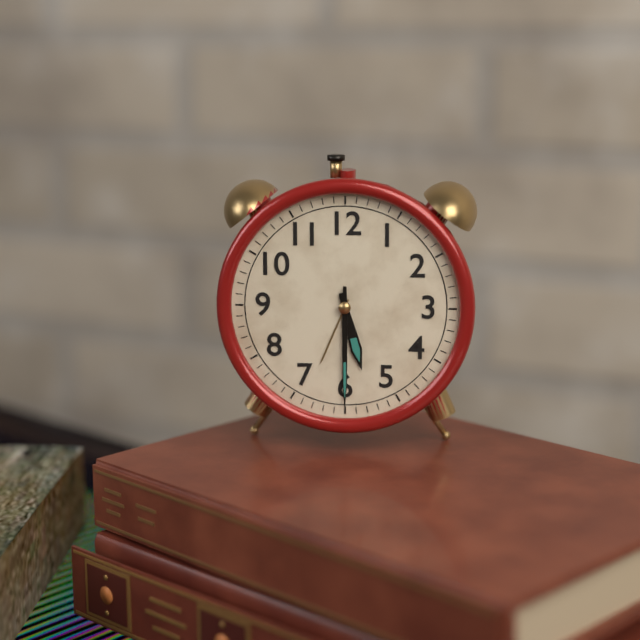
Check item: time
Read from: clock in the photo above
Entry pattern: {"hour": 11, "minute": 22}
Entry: {"hour": 5, "minute": 30}
